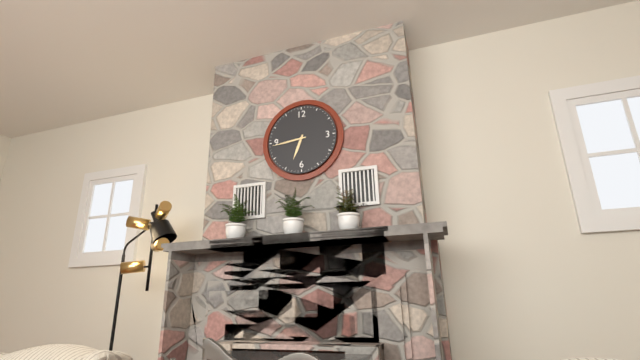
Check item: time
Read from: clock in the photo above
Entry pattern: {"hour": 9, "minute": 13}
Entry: {"hour": 6, "minute": 44}
